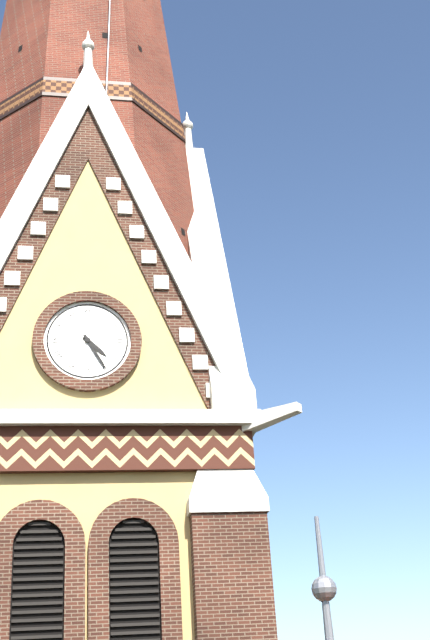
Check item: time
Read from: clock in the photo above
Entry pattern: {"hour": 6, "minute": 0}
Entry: {"hour": 4, "minute": 25}
